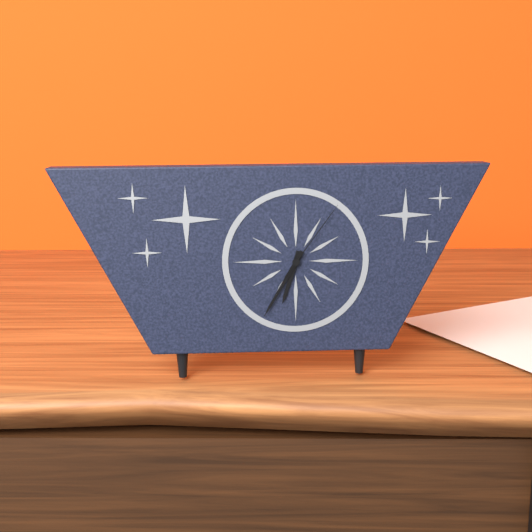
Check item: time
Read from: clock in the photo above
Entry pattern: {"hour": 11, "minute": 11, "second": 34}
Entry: {"hour": 6, "minute": 35, "second": 6}
